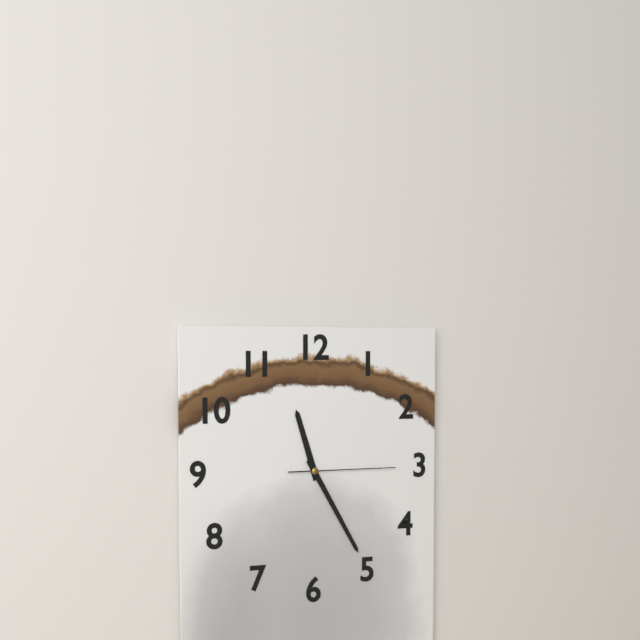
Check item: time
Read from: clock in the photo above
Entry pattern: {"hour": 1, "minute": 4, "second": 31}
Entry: {"hour": 11, "minute": 25, "second": 15}
